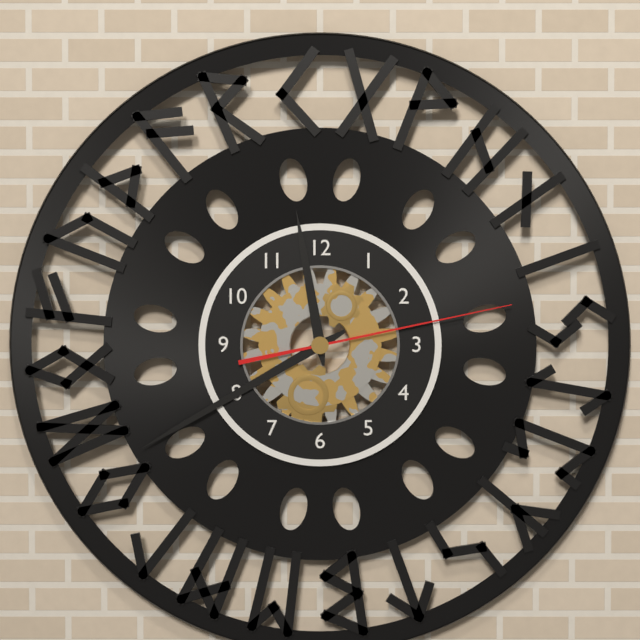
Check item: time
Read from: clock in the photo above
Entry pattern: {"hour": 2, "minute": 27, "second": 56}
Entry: {"hour": 11, "minute": 40, "second": 13}
